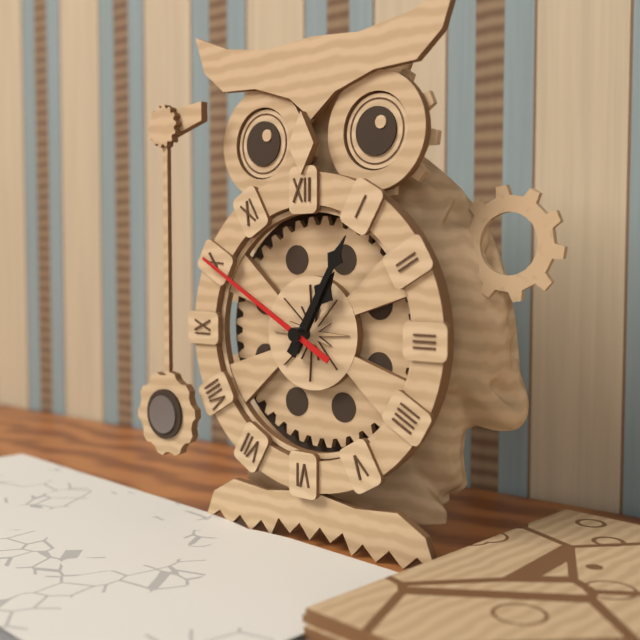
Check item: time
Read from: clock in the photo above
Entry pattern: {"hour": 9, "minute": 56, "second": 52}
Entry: {"hour": 1, "minute": 5, "second": 50}
